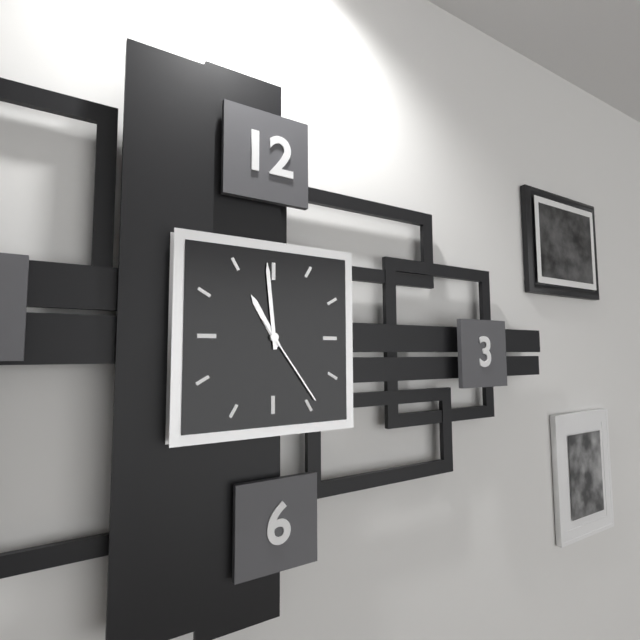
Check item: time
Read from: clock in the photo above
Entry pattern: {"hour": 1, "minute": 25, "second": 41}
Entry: {"hour": 10, "minute": 59, "second": 24}
